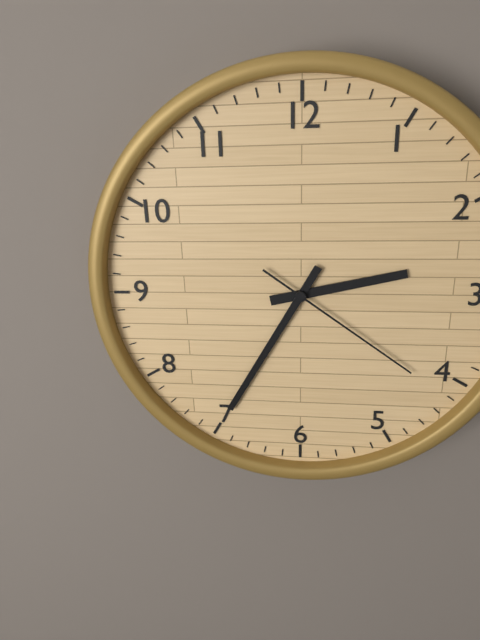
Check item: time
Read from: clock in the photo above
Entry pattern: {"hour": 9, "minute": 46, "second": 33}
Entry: {"hour": 2, "minute": 35, "second": 21}
